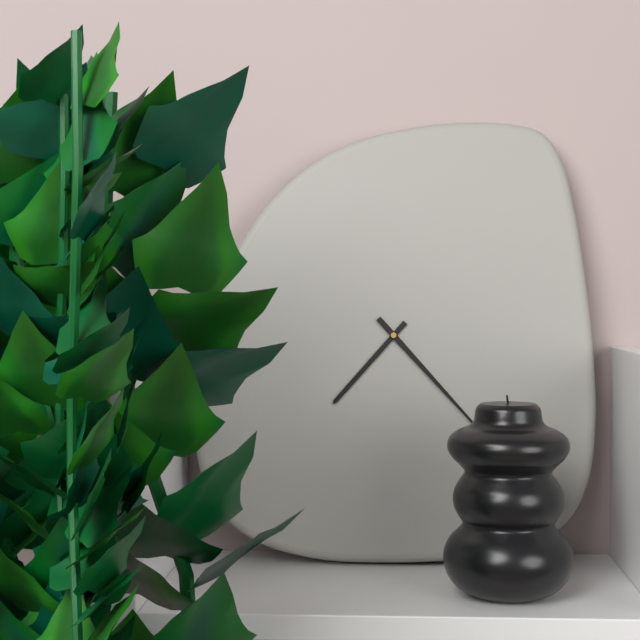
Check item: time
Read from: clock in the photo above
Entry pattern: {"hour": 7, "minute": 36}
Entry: {"hour": 7, "minute": 23}
